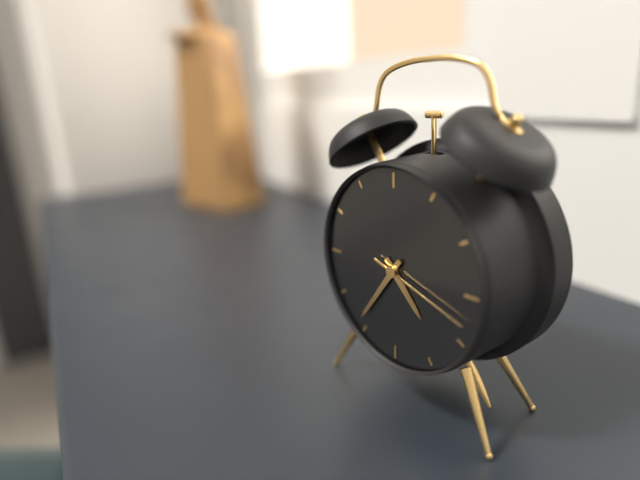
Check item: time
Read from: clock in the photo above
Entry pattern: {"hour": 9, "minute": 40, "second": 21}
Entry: {"hour": 4, "minute": 36, "second": 18}
